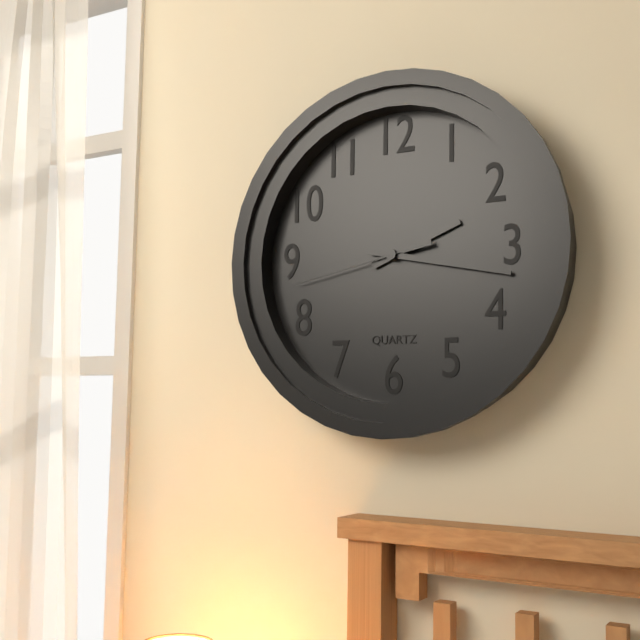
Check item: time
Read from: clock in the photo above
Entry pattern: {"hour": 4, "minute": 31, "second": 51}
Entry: {"hour": 2, "minute": 17, "second": 43}
